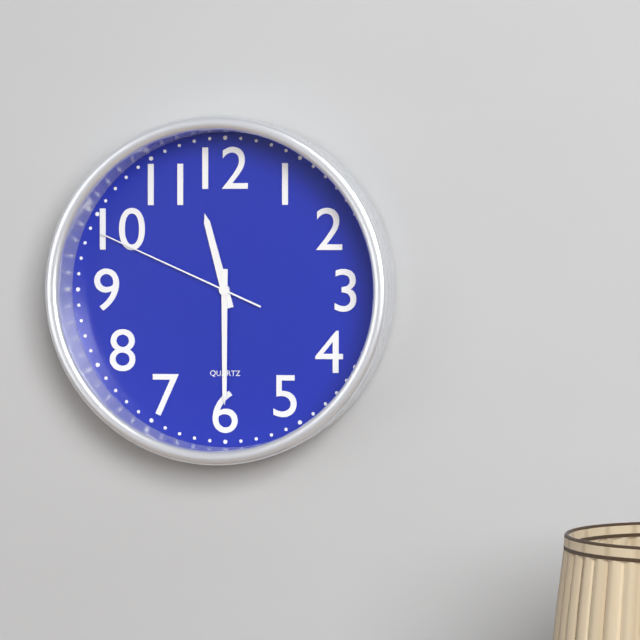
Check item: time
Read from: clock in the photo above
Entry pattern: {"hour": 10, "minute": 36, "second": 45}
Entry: {"hour": 11, "minute": 30, "second": 49}
